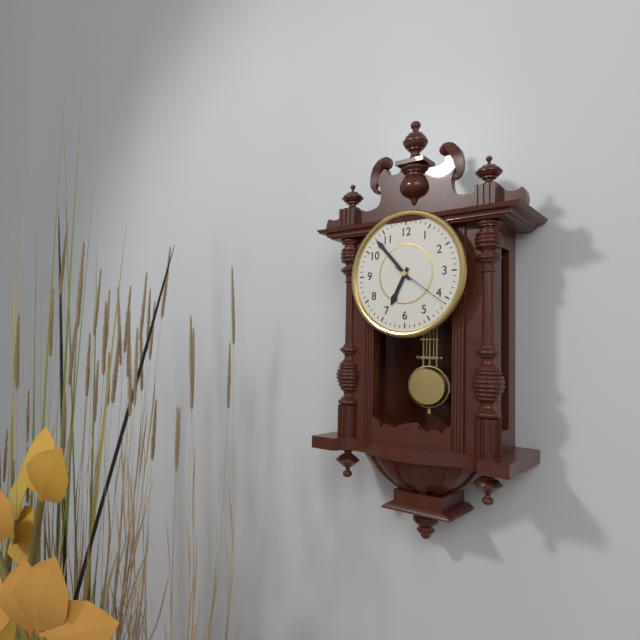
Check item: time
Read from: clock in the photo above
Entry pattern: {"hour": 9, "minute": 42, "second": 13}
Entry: {"hour": 6, "minute": 53, "second": 21}
